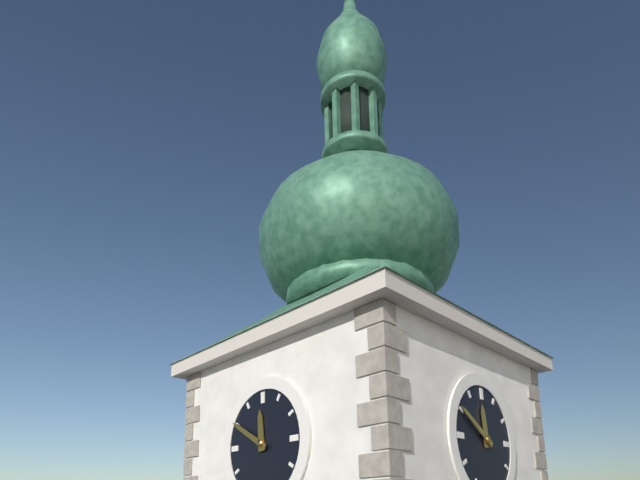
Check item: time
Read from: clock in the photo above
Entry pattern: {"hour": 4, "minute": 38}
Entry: {"hour": 11, "minute": 50}
